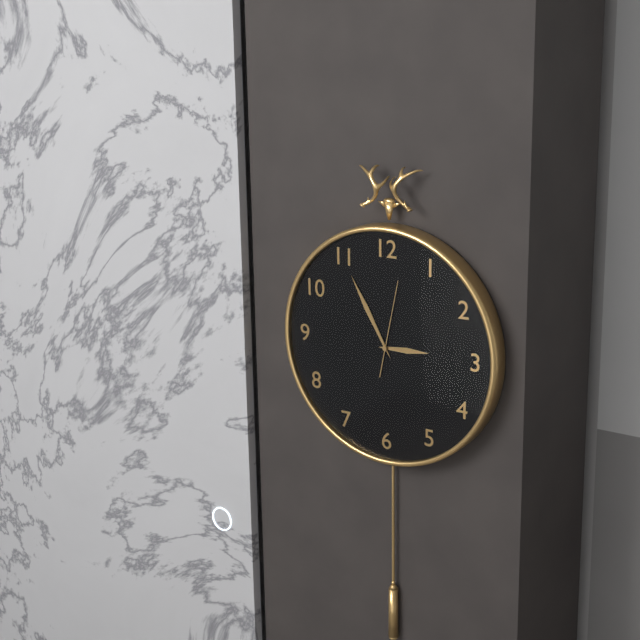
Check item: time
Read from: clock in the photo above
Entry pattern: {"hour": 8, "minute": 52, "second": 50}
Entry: {"hour": 2, "minute": 55, "second": 2}
